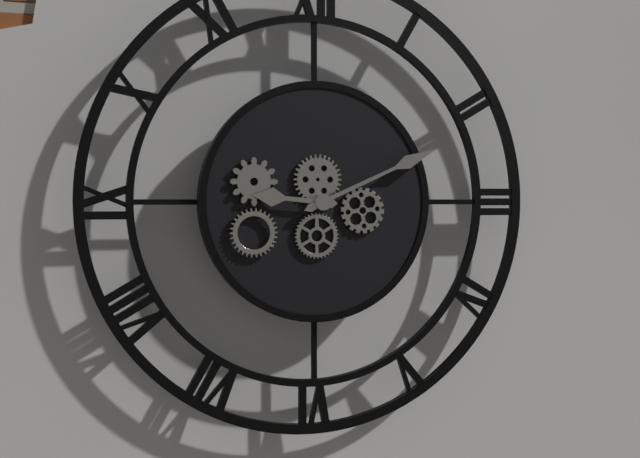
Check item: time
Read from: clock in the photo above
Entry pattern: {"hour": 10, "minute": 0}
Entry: {"hour": 9, "minute": 11}
